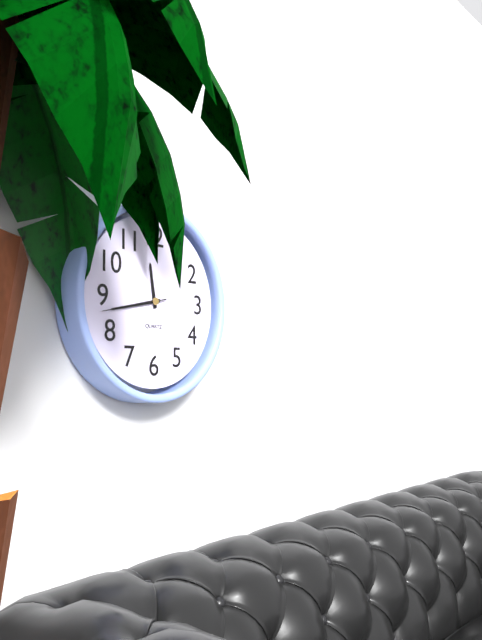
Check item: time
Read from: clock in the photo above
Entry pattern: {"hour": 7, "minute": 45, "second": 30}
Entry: {"hour": 11, "minute": 43, "second": 43}
